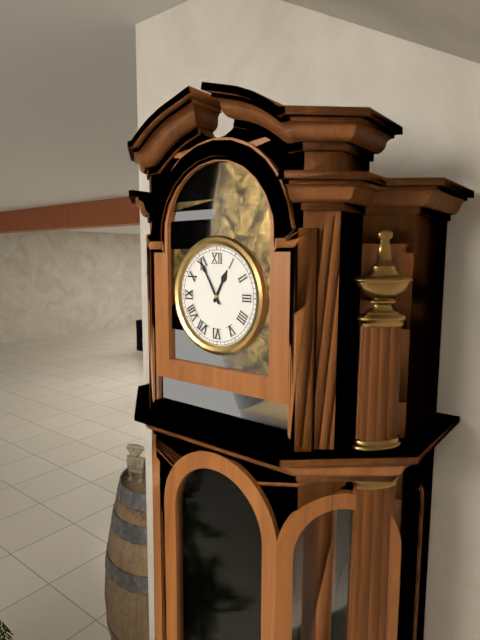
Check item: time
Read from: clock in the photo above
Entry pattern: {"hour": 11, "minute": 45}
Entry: {"hour": 12, "minute": 55}
